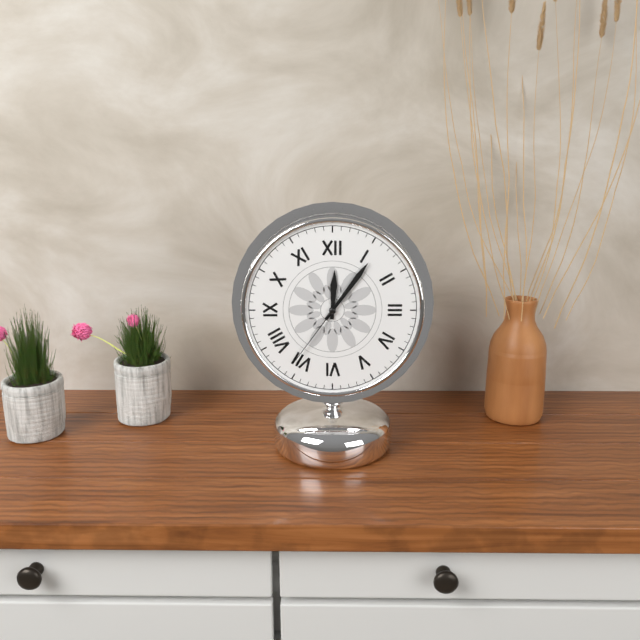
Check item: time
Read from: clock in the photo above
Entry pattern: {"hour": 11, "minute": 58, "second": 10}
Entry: {"hour": 12, "minute": 6, "second": 36}
